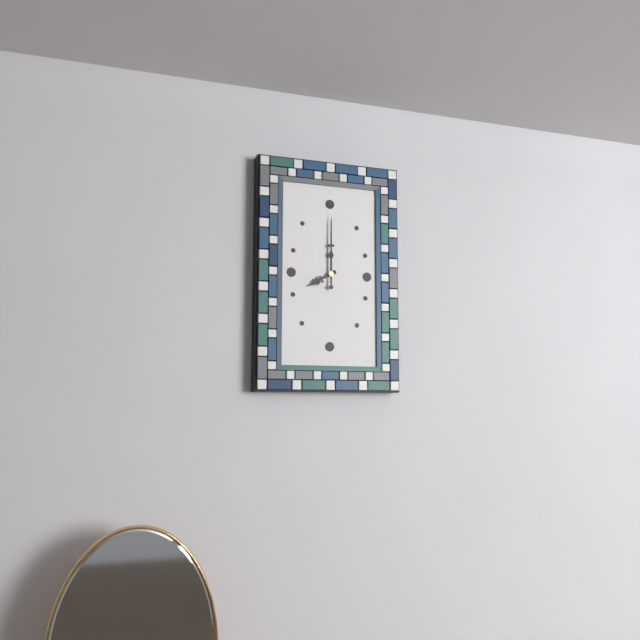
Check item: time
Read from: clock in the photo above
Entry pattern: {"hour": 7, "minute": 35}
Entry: {"hour": 8, "minute": 0}
